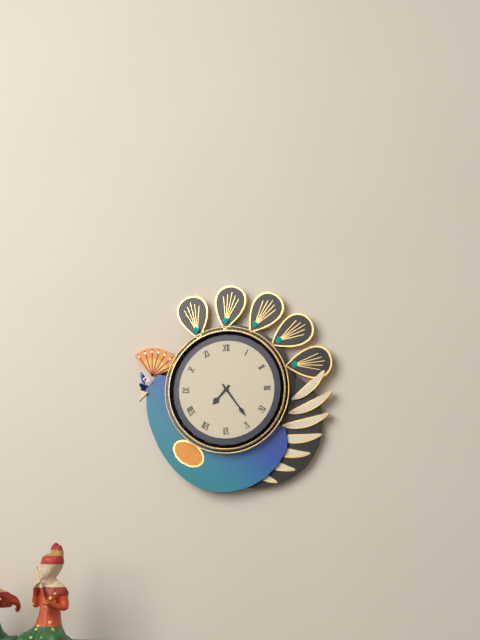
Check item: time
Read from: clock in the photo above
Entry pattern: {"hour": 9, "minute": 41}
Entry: {"hour": 7, "minute": 24}
